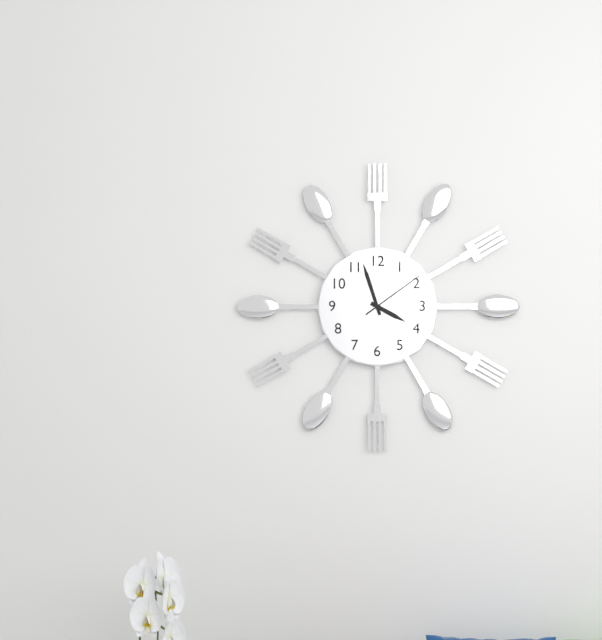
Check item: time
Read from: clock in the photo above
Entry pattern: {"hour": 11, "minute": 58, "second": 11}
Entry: {"hour": 3, "minute": 57, "second": 9}
